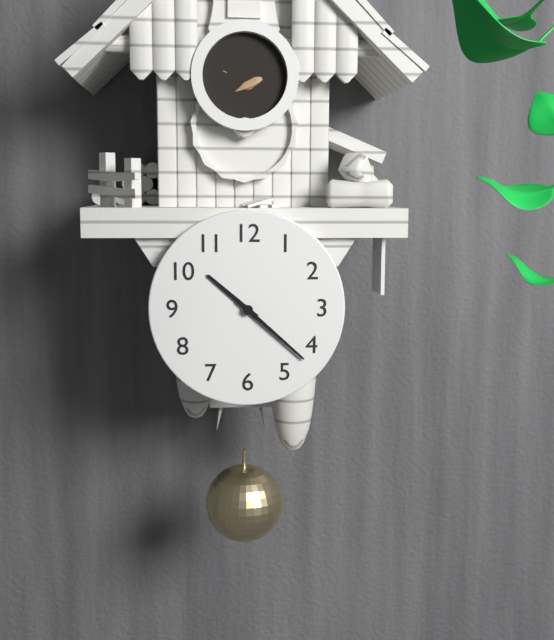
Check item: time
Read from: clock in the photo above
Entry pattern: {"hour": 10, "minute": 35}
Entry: {"hour": 10, "minute": 22}
